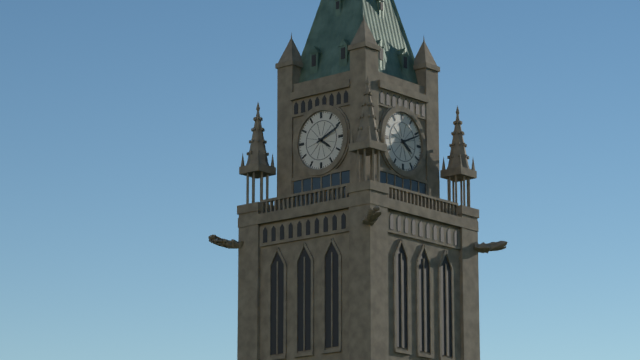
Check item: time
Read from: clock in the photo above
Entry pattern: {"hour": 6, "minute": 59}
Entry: {"hour": 4, "minute": 11}
